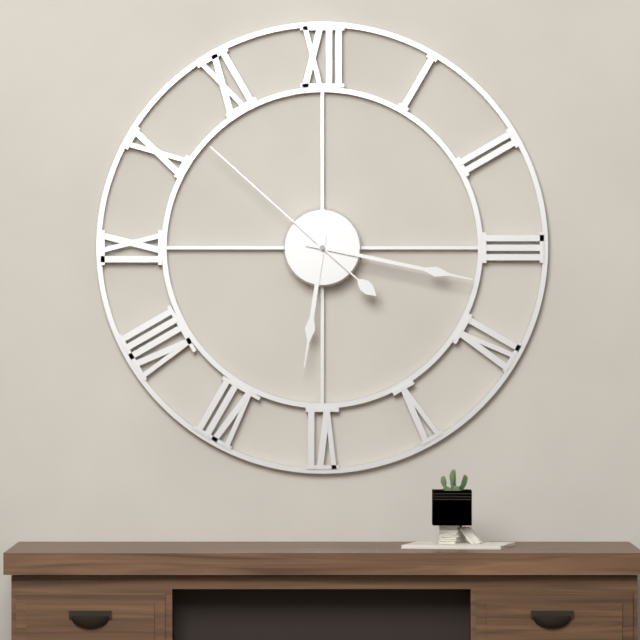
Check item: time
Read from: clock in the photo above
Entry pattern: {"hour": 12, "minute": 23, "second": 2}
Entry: {"hour": 6, "minute": 17, "second": 52}
